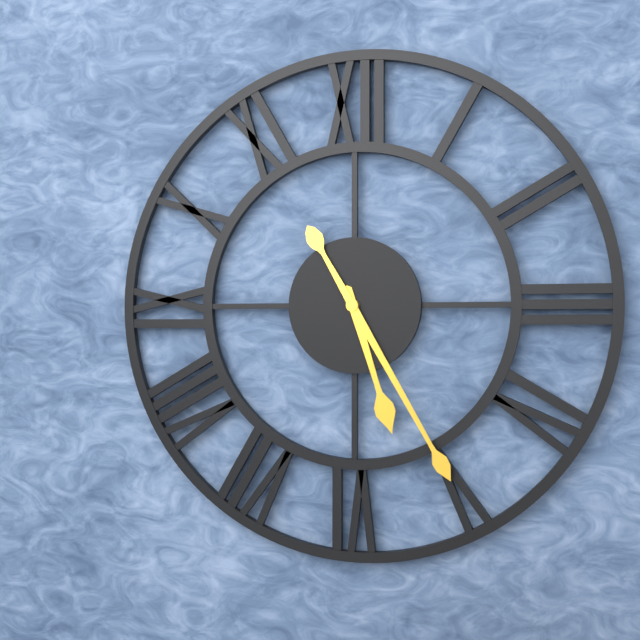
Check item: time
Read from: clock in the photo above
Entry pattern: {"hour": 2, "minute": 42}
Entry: {"hour": 5, "minute": 25}
